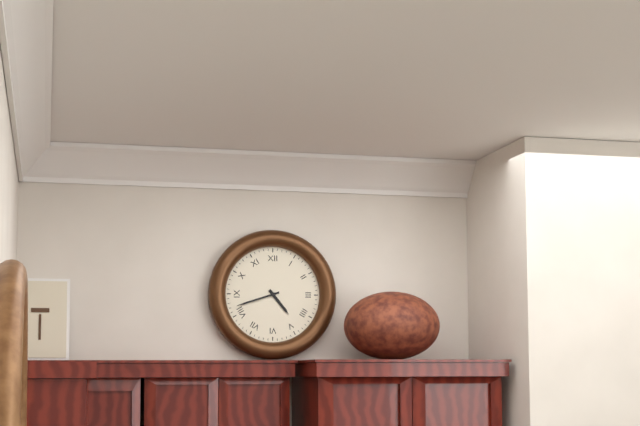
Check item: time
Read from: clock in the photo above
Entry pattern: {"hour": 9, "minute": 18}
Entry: {"hour": 4, "minute": 42}
